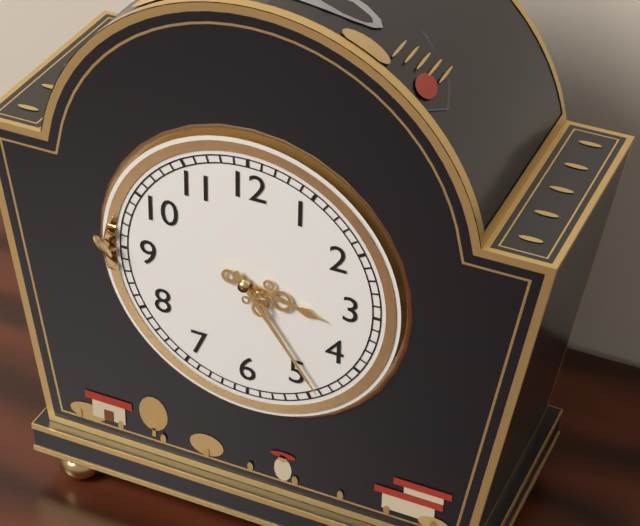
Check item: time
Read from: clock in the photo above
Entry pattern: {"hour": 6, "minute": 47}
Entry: {"hour": 3, "minute": 24}
